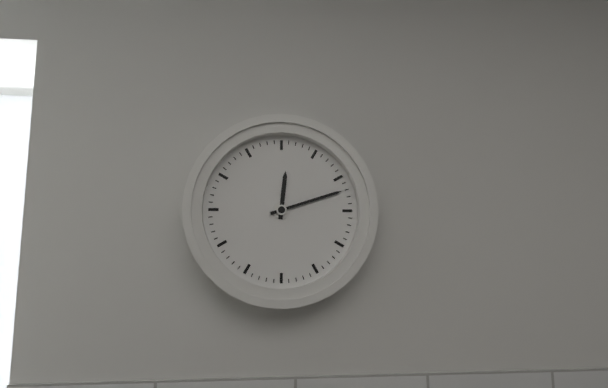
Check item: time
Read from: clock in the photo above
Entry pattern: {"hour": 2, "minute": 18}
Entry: {"hour": 12, "minute": 12}
